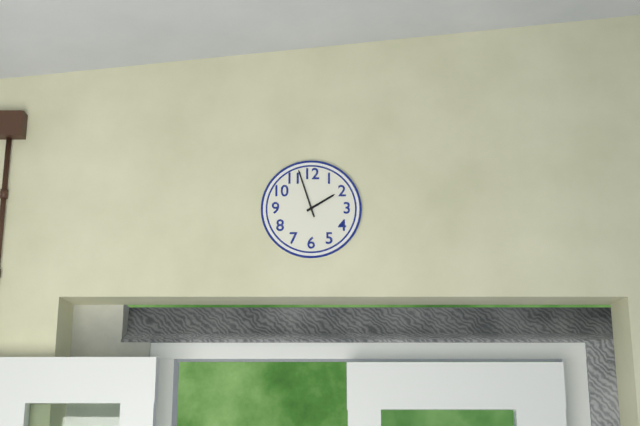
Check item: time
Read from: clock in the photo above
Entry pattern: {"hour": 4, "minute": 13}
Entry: {"hour": 1, "minute": 57}
